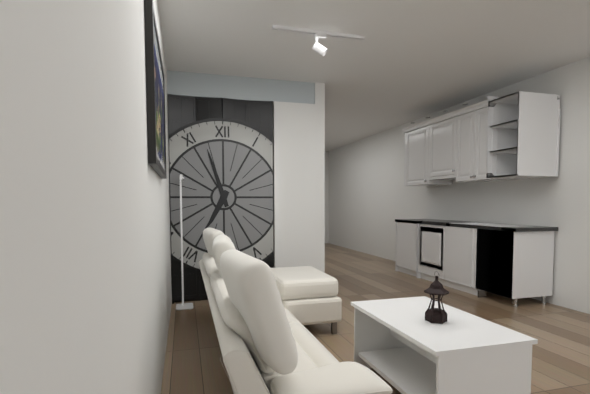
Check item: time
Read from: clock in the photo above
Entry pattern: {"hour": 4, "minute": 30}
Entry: {"hour": 6, "minute": 57}
